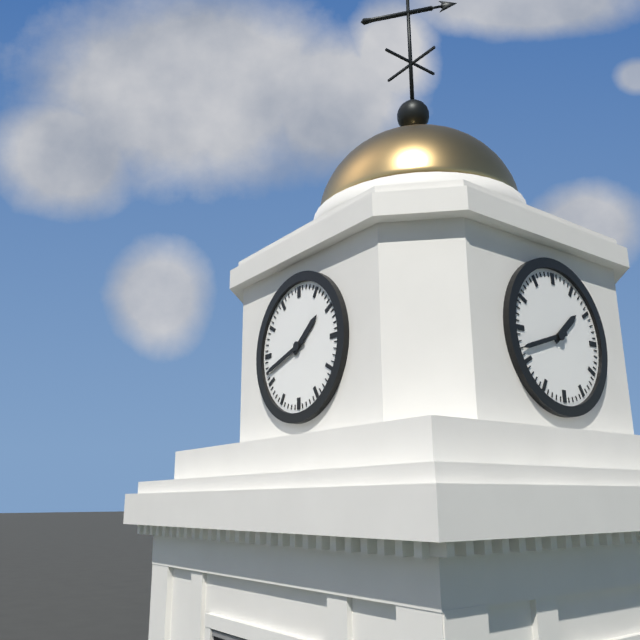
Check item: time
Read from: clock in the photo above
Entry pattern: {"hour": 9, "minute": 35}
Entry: {"hour": 1, "minute": 42}
